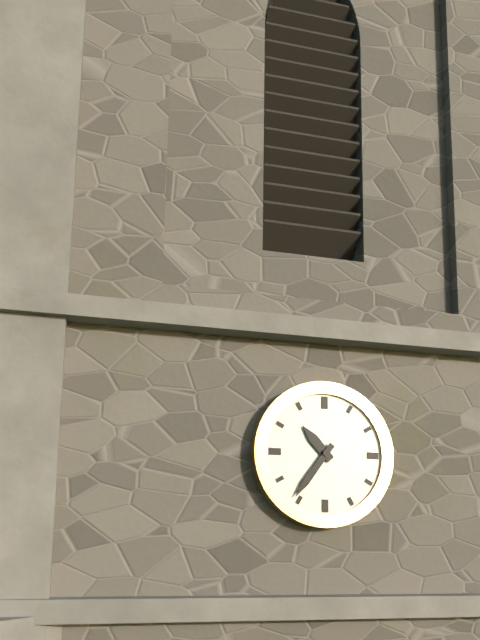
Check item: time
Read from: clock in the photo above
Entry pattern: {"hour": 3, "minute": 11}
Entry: {"hour": 10, "minute": 36}
